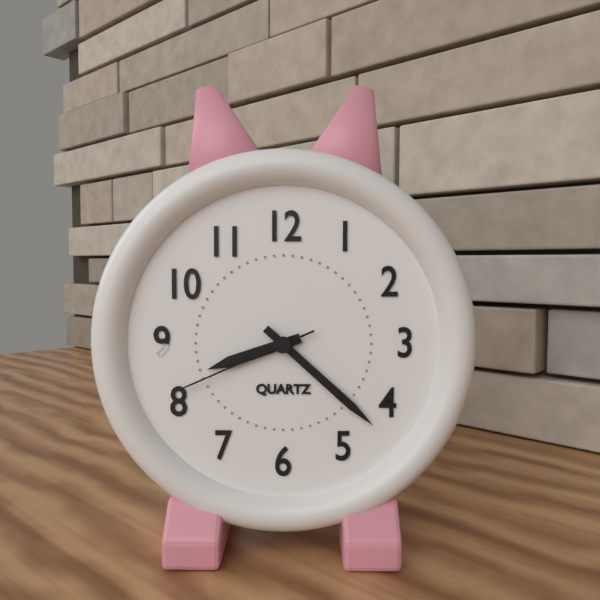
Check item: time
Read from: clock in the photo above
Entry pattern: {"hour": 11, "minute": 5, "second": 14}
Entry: {"hour": 8, "minute": 22, "second": 41}
